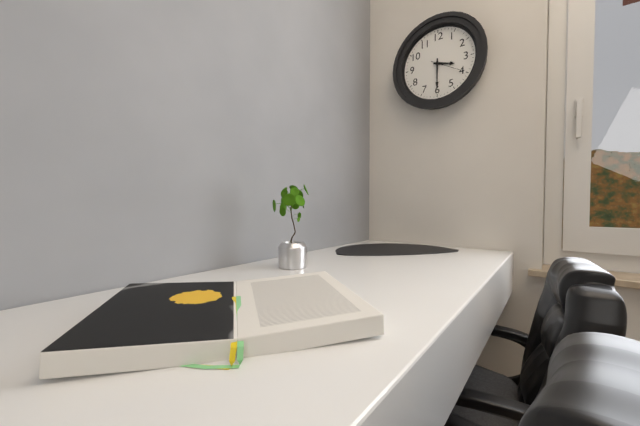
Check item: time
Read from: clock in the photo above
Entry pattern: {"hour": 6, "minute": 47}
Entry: {"hour": 3, "minute": 30}
